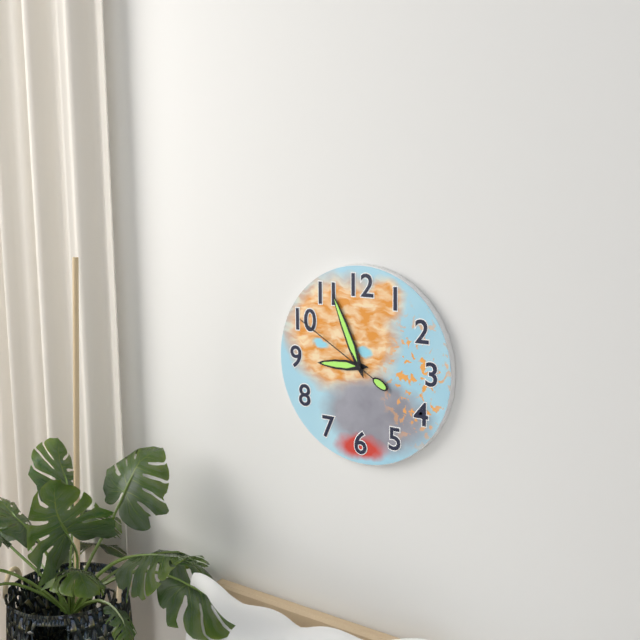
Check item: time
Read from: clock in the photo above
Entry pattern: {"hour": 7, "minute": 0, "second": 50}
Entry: {"hour": 8, "minute": 56, "second": 50}
